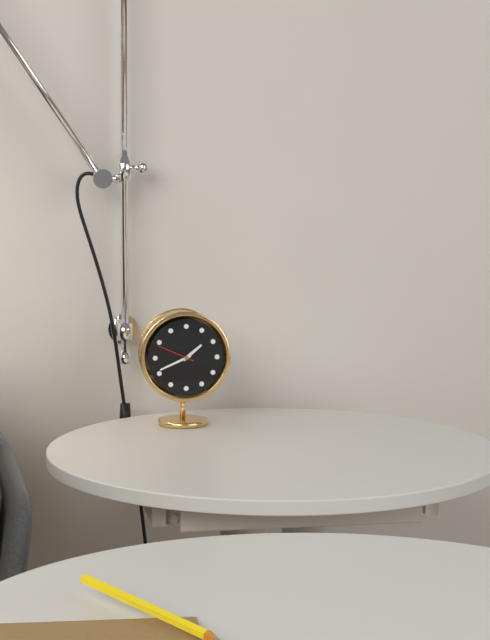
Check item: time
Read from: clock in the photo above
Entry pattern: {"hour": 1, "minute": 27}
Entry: {"hour": 1, "minute": 41}
